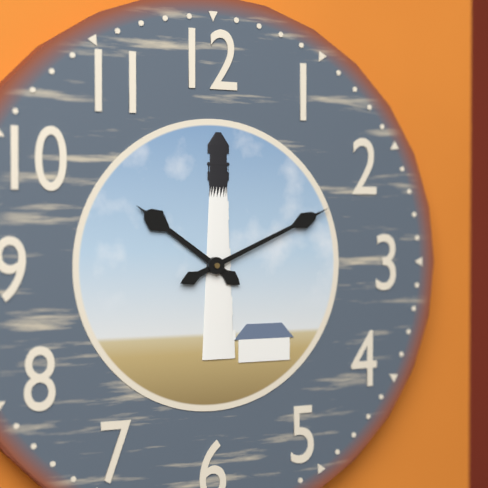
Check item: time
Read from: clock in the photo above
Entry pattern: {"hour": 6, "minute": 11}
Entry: {"hour": 10, "minute": 11}
